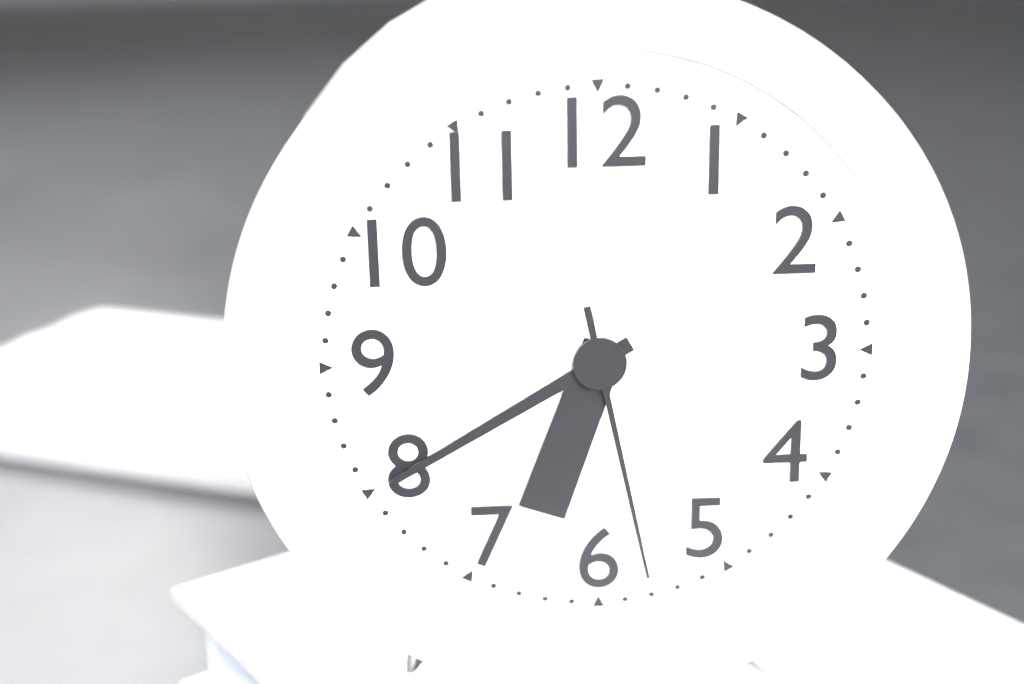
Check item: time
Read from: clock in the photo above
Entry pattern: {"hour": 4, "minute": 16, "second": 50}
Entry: {"hour": 6, "minute": 40, "second": 28}
